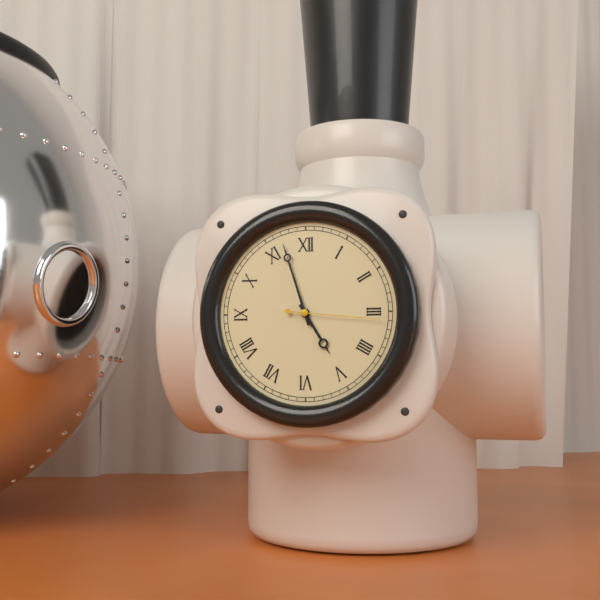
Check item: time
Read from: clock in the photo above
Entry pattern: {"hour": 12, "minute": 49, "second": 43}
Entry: {"hour": 4, "minute": 57, "second": 16}
